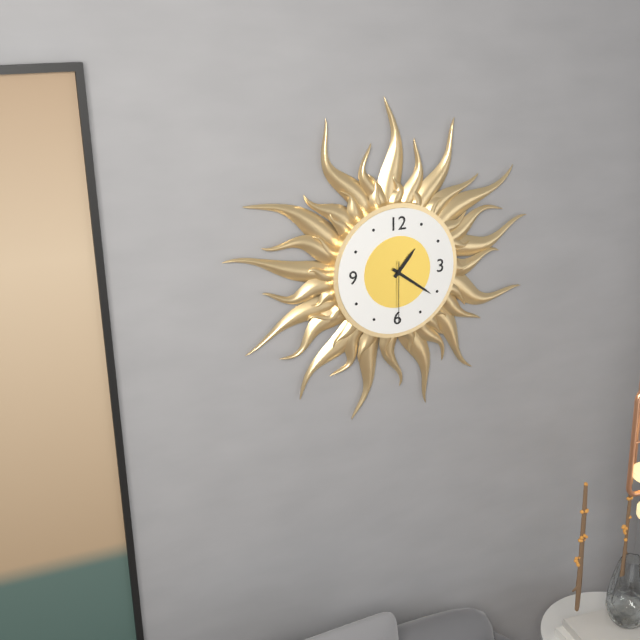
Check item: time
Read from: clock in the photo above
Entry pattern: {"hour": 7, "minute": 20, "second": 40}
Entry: {"hour": 1, "minute": 21, "second": 30}
